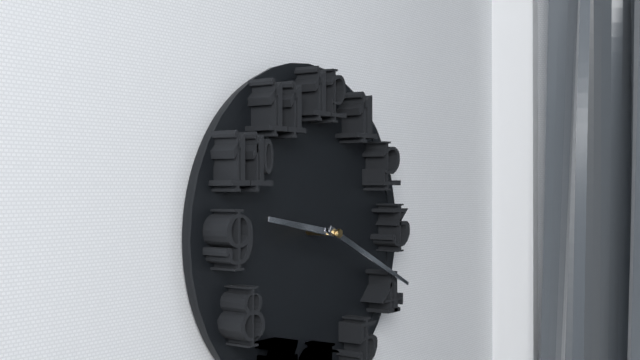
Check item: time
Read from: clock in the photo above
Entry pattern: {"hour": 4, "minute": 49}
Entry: {"hour": 9, "minute": 19}
